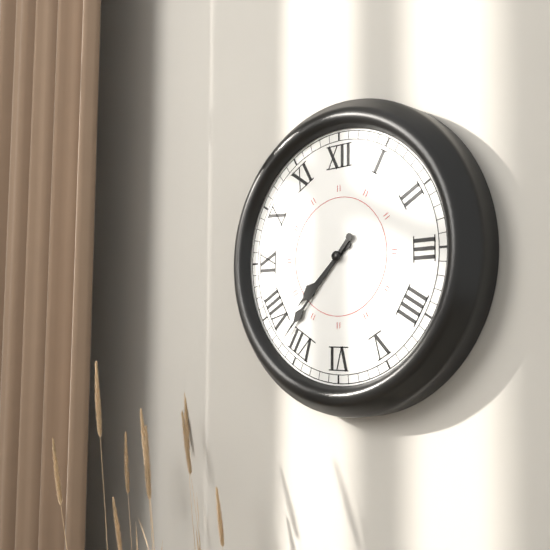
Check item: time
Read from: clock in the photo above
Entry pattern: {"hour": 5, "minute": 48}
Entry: {"hour": 7, "minute": 37}
